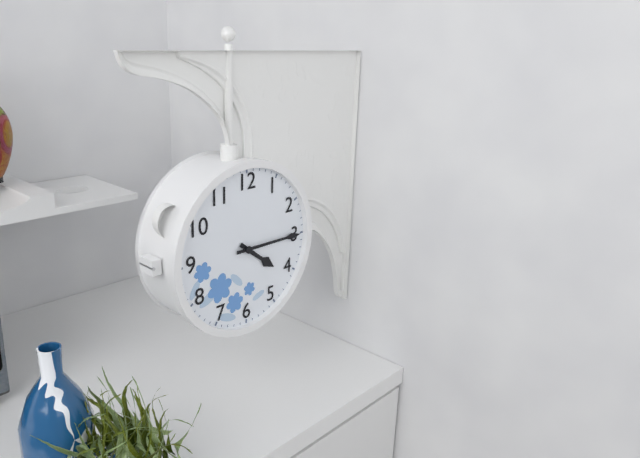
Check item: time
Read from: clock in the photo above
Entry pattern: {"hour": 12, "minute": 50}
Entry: {"hour": 4, "minute": 15}
